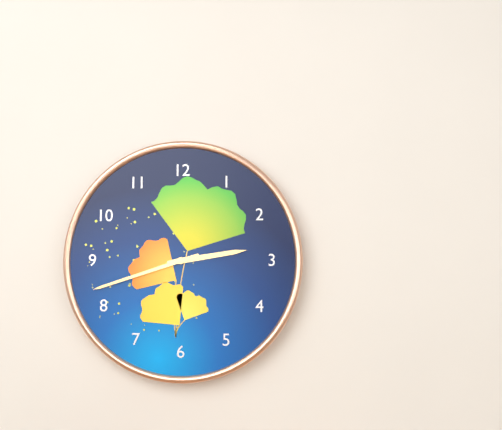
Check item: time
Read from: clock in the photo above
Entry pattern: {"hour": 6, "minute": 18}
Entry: {"hour": 2, "minute": 42}
